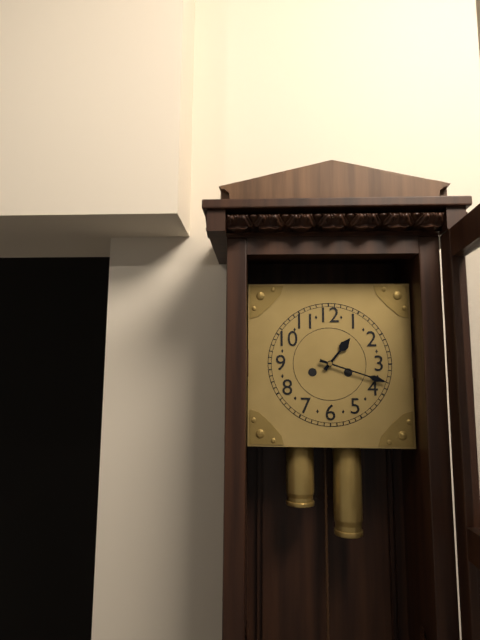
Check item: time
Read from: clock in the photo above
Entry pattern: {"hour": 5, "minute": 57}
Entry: {"hour": 1, "minute": 18}
